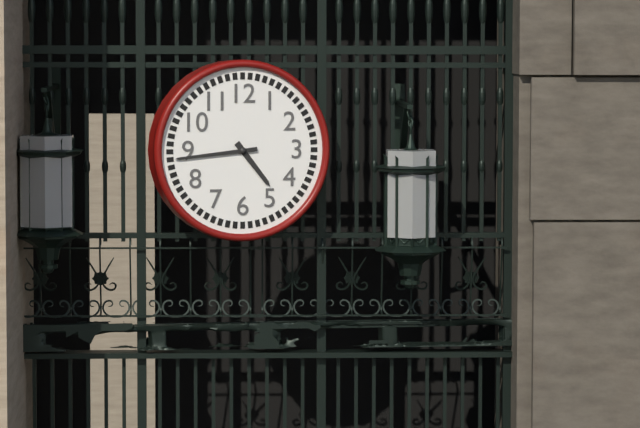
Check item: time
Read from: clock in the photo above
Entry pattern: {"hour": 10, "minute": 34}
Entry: {"hour": 4, "minute": 44}
